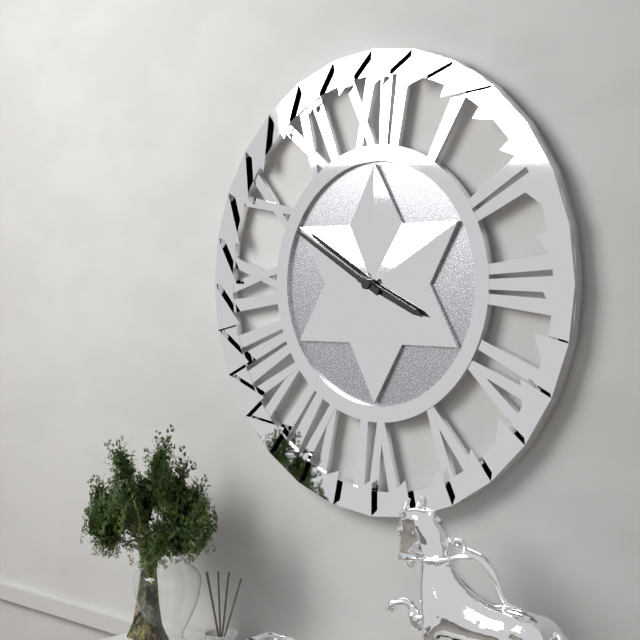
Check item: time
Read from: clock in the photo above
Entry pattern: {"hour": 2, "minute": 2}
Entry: {"hour": 3, "minute": 50}
